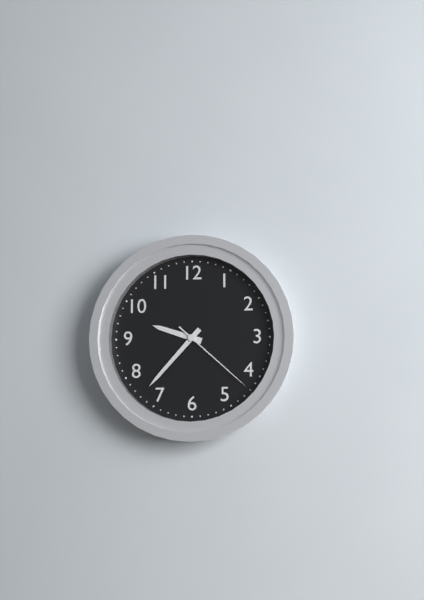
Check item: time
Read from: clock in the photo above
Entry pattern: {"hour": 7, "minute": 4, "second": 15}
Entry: {"hour": 9, "minute": 37, "second": 22}
